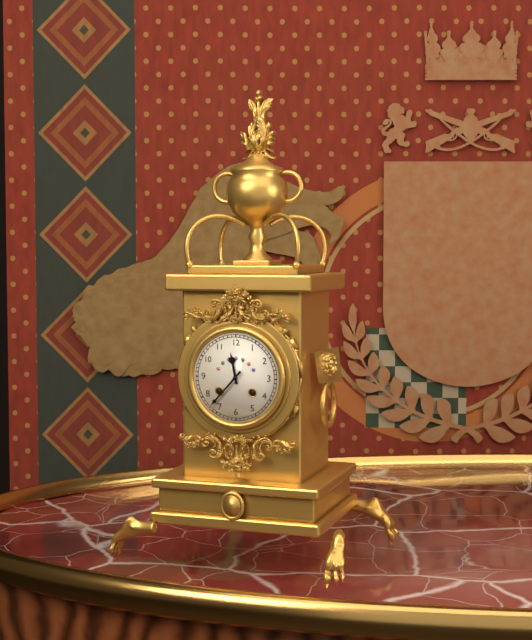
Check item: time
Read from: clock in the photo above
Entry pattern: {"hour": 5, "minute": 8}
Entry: {"hour": 11, "minute": 37}
